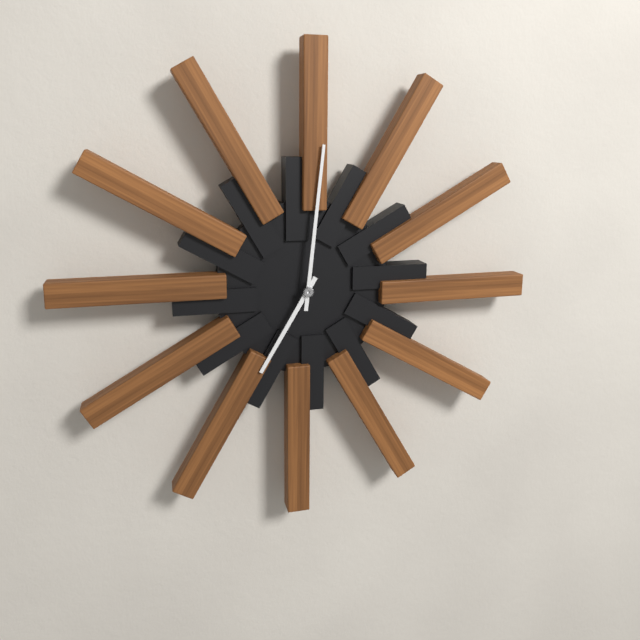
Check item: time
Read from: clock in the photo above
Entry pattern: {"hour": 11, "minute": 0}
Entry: {"hour": 7, "minute": 1}
